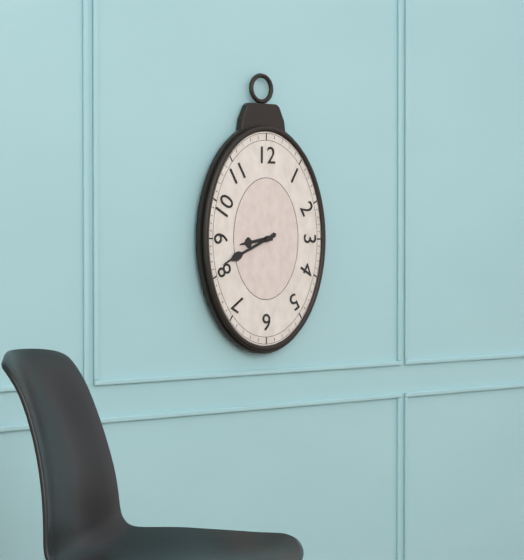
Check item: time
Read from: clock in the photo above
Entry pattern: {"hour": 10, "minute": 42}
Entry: {"hour": 8, "minute": 41}
